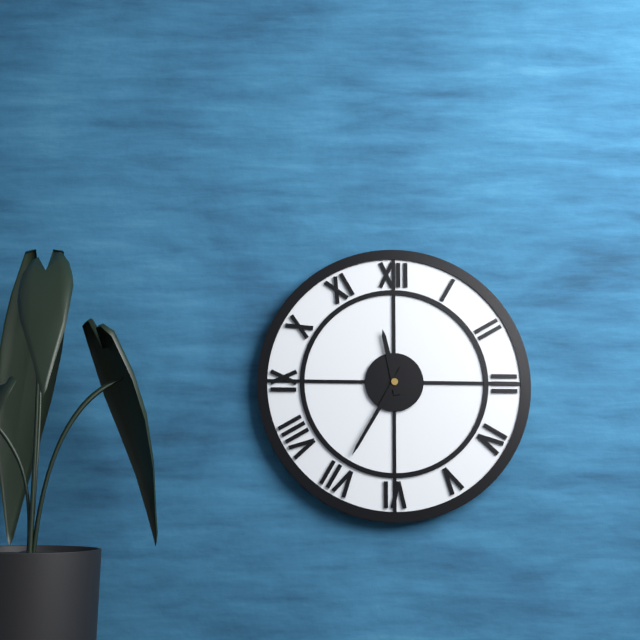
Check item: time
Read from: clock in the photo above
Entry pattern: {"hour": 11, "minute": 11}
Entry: {"hour": 11, "minute": 35}
